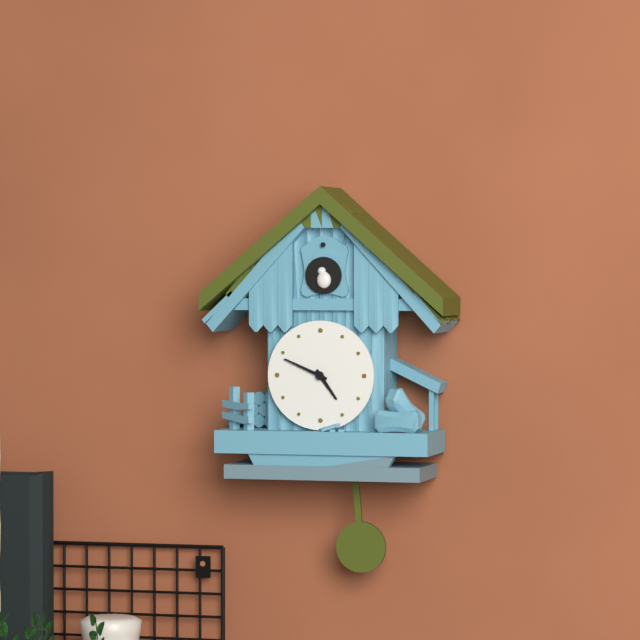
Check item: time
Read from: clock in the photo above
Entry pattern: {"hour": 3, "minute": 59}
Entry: {"hour": 4, "minute": 49}
